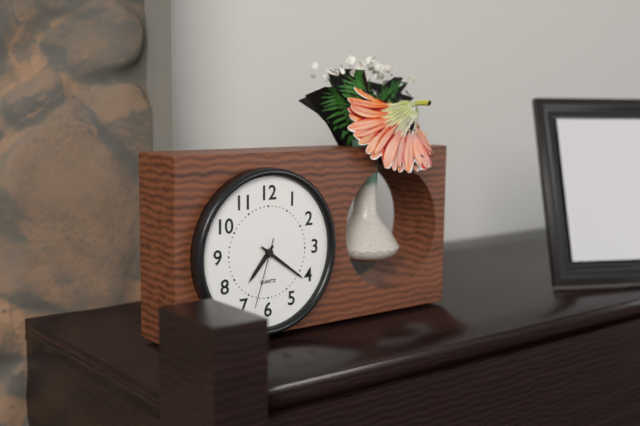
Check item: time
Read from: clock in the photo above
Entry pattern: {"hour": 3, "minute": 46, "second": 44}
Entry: {"hour": 7, "minute": 21, "second": 33}
